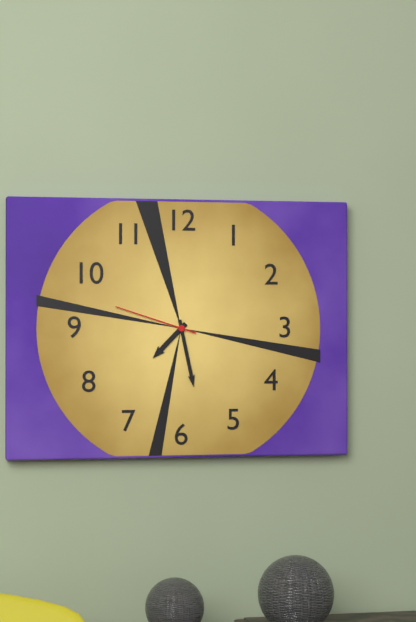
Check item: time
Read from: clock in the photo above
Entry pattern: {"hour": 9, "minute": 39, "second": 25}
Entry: {"hour": 7, "minute": 28, "second": 48}
